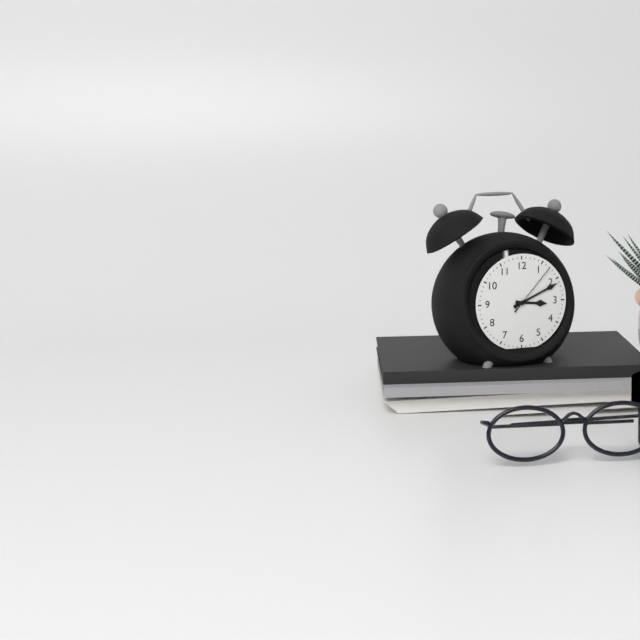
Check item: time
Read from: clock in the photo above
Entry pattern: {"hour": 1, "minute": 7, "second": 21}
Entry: {"hour": 3, "minute": 11, "second": 7}
